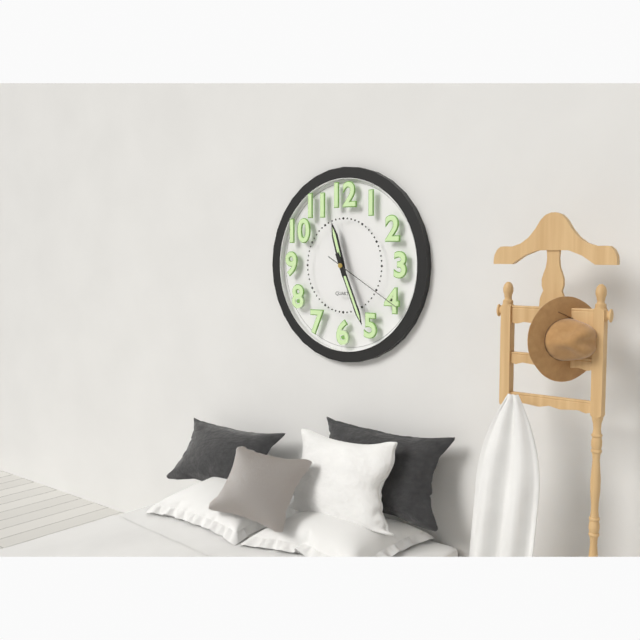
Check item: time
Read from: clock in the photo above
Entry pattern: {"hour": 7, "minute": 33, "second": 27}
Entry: {"hour": 11, "minute": 26, "second": 20}
